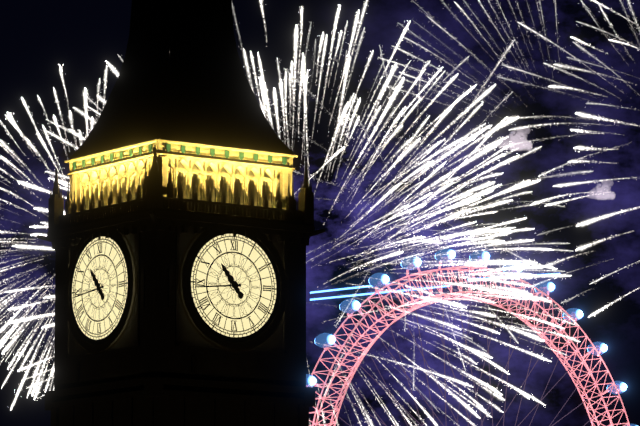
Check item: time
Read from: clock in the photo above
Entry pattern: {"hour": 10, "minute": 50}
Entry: {"hour": 10, "minute": 44}
